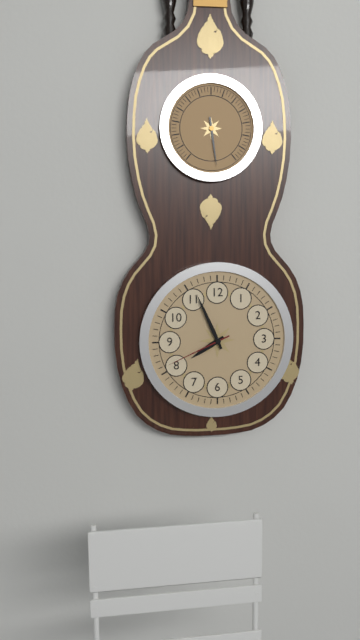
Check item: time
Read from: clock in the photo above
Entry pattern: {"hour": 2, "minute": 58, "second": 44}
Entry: {"hour": 7, "minute": 56, "second": 41}
